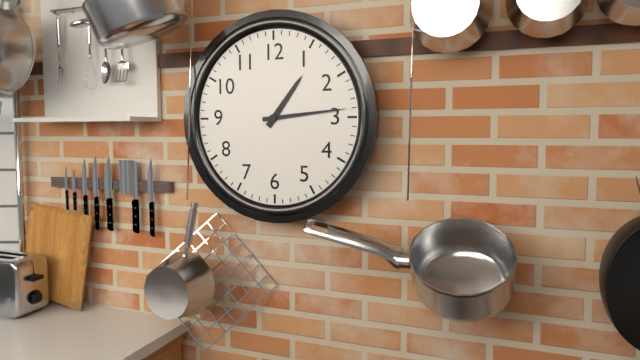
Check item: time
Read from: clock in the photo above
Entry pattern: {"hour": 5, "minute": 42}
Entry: {"hour": 1, "minute": 14}
